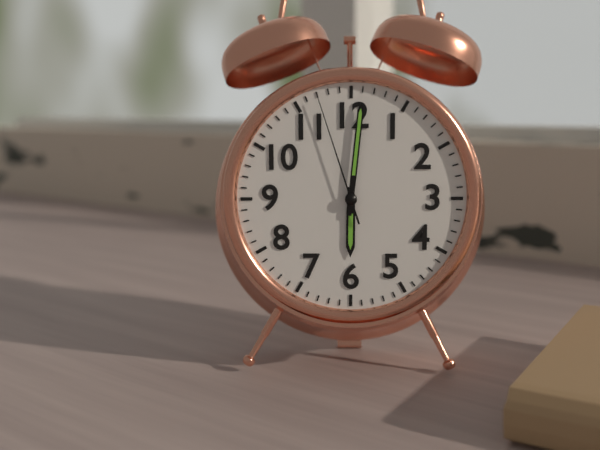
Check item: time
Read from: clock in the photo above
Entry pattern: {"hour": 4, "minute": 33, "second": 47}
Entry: {"hour": 6, "minute": 1, "second": 57}
